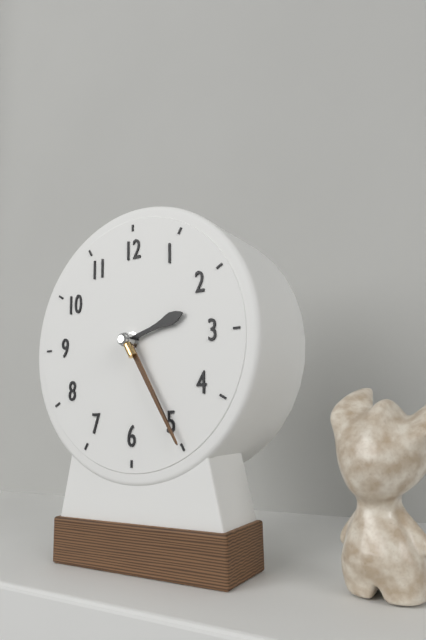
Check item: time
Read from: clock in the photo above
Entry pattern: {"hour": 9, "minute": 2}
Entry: {"hour": 2, "minute": 25}
